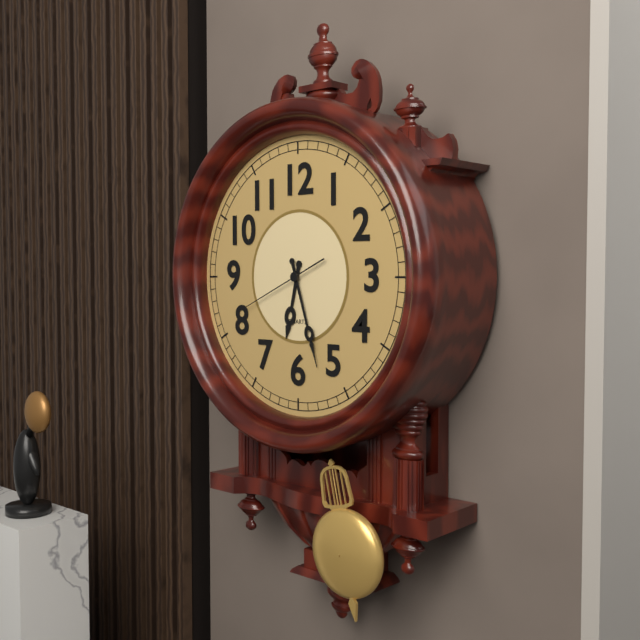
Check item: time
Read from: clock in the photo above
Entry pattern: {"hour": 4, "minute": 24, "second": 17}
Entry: {"hour": 6, "minute": 27, "second": 41}
